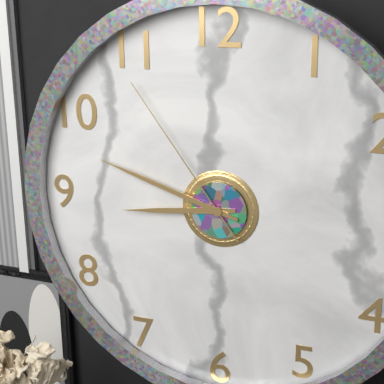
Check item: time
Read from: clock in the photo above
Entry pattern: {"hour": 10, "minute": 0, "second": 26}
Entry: {"hour": 8, "minute": 48, "second": 54}
